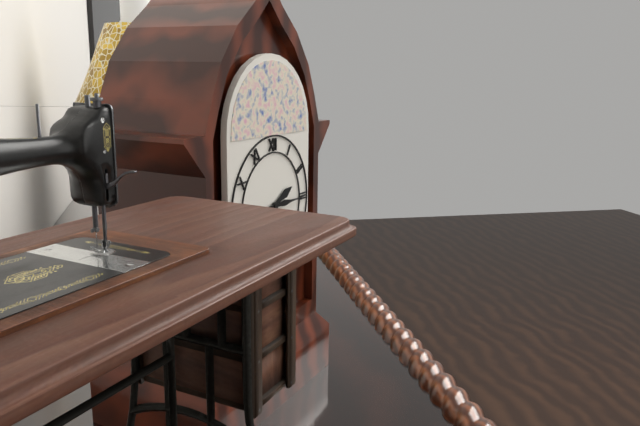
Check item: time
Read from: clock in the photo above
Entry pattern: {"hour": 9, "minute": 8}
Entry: {"hour": 2, "minute": 15}
